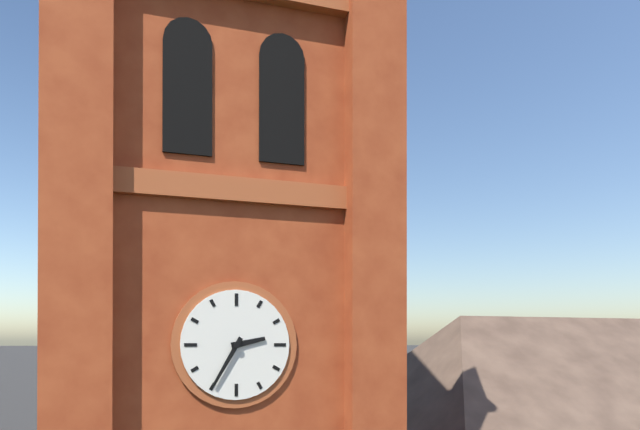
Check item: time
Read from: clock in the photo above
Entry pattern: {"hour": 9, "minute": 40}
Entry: {"hour": 2, "minute": 35}
